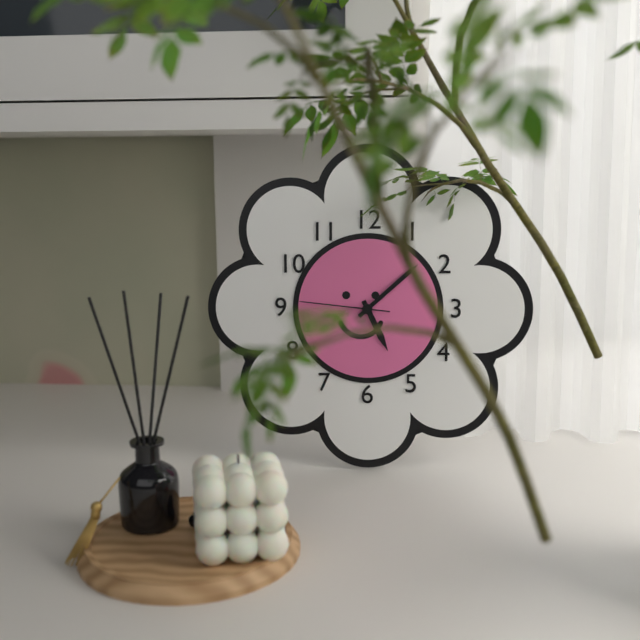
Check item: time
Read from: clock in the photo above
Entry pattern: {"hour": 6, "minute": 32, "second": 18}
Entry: {"hour": 5, "minute": 8, "second": 46}
